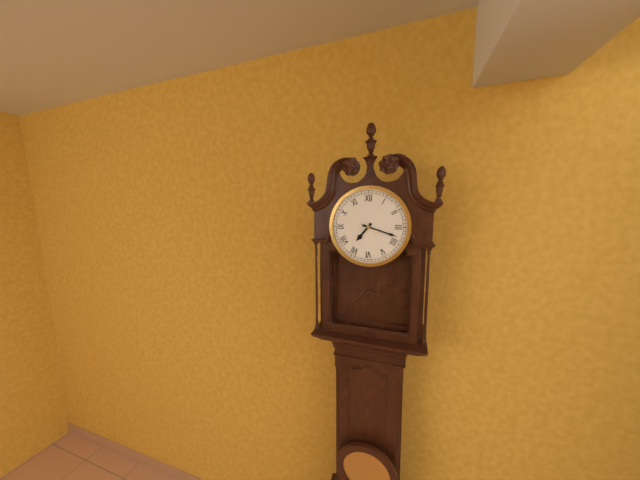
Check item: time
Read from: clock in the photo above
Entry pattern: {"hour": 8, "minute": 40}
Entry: {"hour": 7, "minute": 18}
